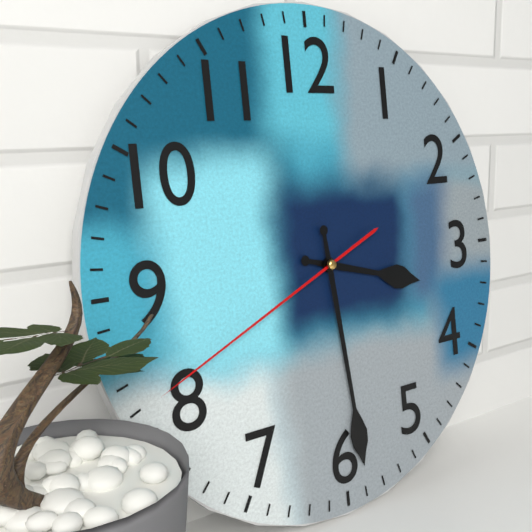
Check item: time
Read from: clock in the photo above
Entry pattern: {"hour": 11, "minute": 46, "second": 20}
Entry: {"hour": 3, "minute": 29, "second": 41}
